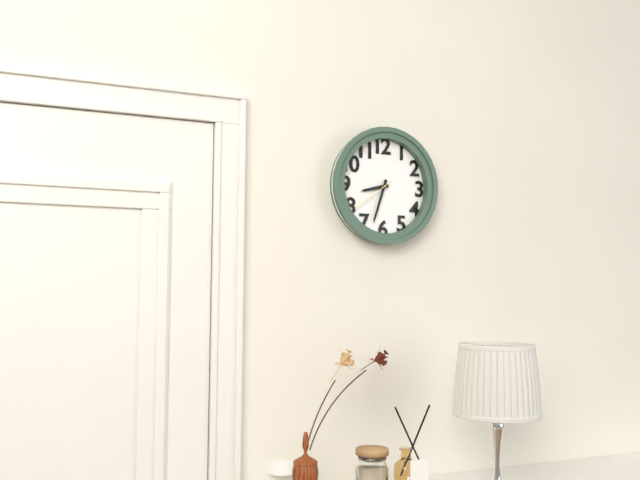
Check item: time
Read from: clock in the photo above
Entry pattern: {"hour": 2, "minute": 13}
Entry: {"hour": 8, "minute": 33}
